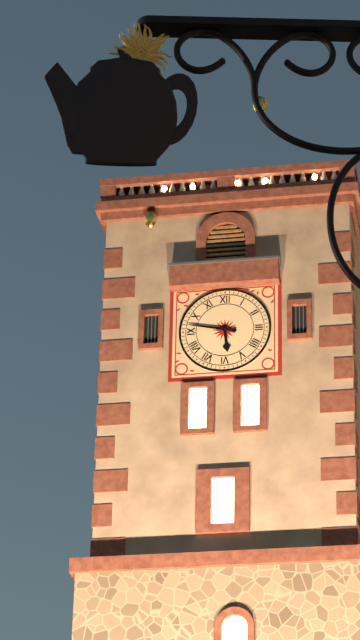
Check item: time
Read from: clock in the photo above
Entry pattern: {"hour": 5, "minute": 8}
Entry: {"hour": 5, "minute": 47}
